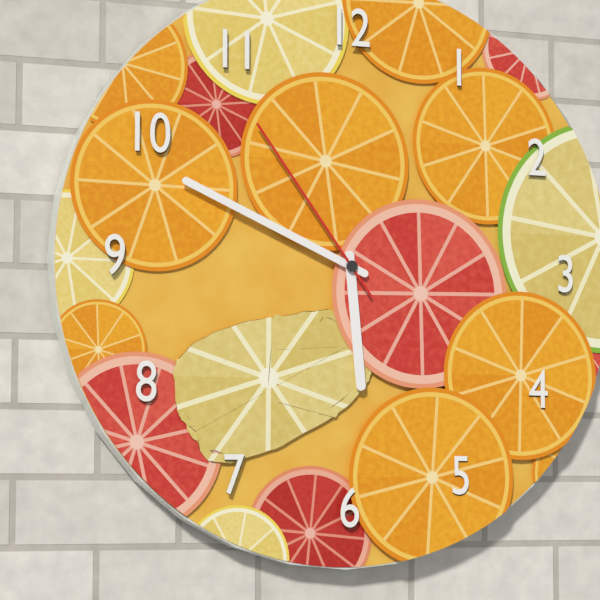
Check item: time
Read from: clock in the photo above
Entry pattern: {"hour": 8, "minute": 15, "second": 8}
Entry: {"hour": 5, "minute": 49, "second": 54}
